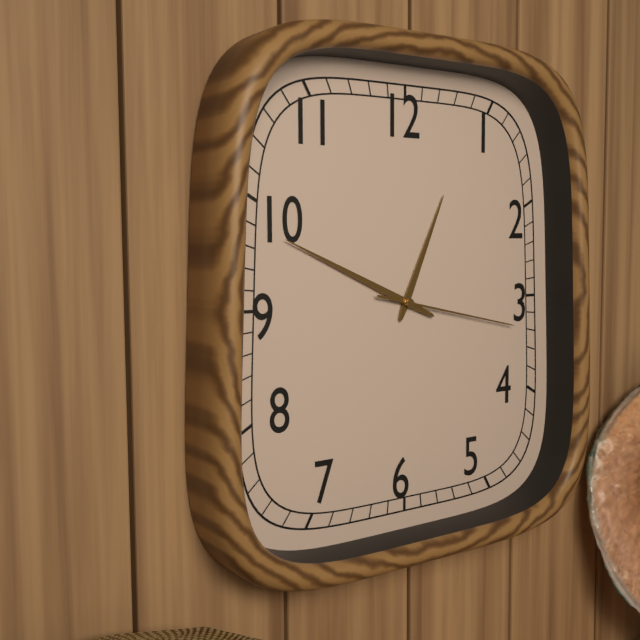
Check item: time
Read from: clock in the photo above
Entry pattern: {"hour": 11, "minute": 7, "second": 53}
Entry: {"hour": 12, "minute": 49, "second": 17}
